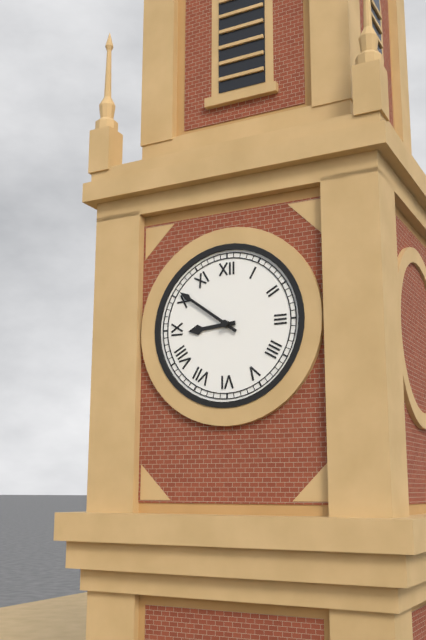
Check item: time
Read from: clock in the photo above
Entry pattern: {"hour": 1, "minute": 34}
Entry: {"hour": 8, "minute": 51}
